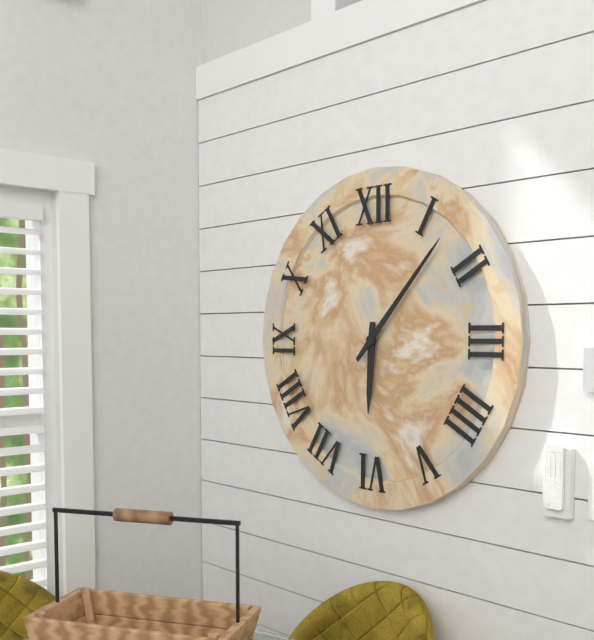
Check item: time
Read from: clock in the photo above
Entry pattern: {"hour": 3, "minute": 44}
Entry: {"hour": 6, "minute": 7}
